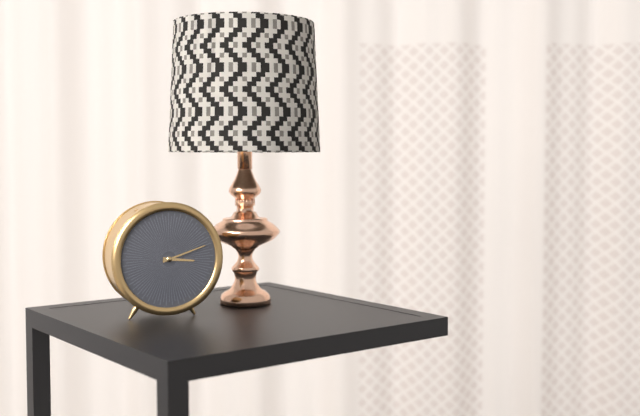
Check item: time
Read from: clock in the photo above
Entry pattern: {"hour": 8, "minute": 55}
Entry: {"hour": 3, "minute": 12}
